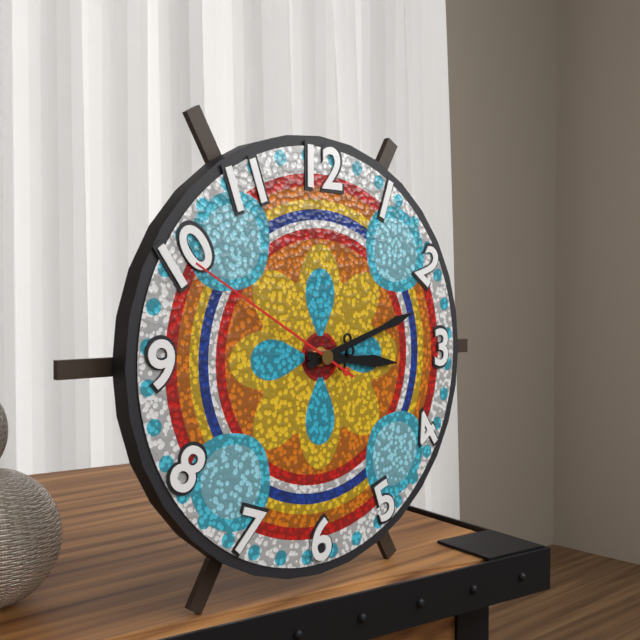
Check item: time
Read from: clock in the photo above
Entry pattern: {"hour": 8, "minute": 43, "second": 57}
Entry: {"hour": 3, "minute": 12, "second": 50}
